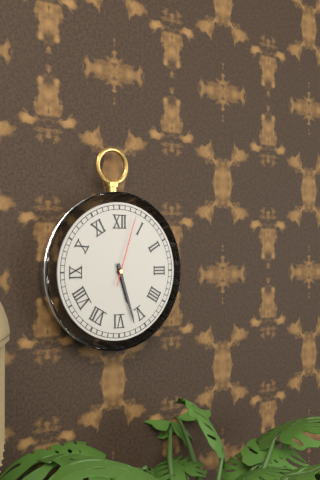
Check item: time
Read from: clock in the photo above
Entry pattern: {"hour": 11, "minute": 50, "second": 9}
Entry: {"hour": 5, "minute": 27, "second": 3}
